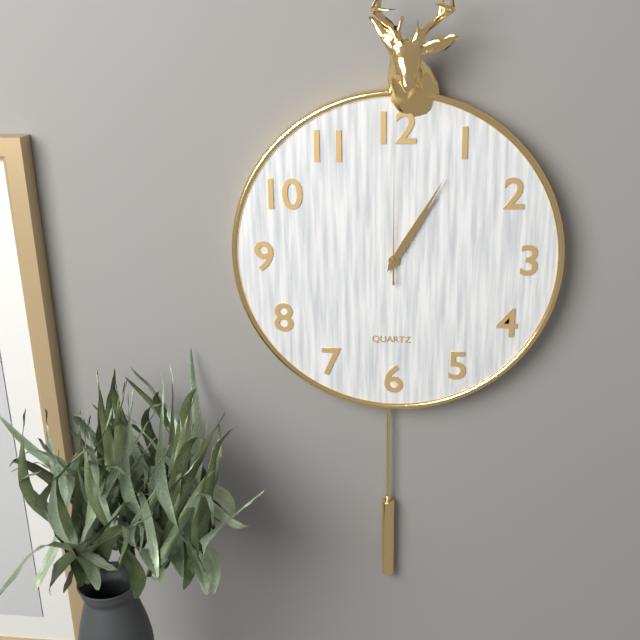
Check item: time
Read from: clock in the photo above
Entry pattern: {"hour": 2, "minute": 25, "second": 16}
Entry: {"hour": 1, "minute": 5, "second": 0}
